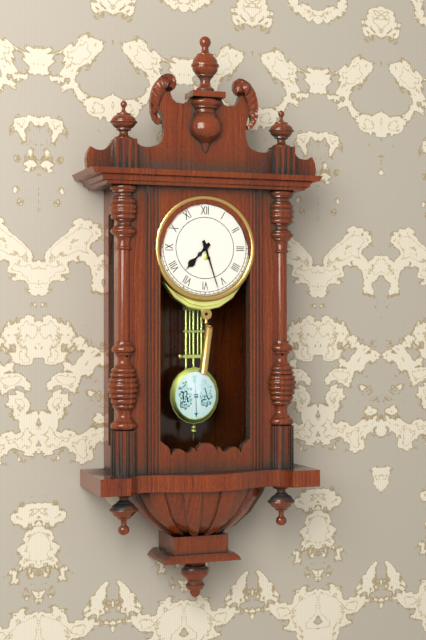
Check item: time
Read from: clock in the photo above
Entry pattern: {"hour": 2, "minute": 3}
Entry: {"hour": 7, "minute": 27}
